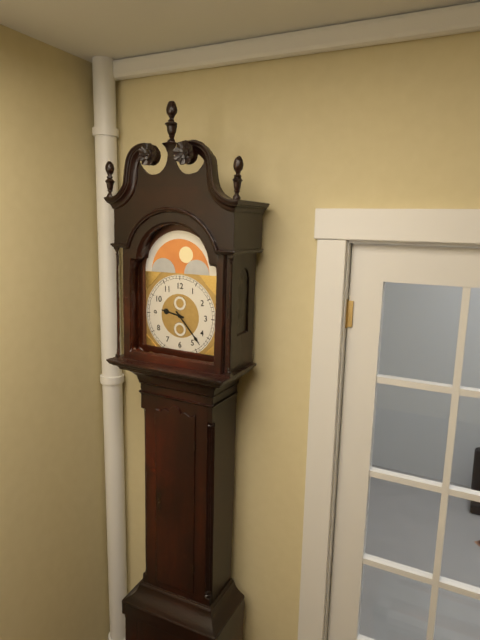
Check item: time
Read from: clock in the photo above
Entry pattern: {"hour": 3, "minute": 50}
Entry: {"hour": 9, "minute": 23}
